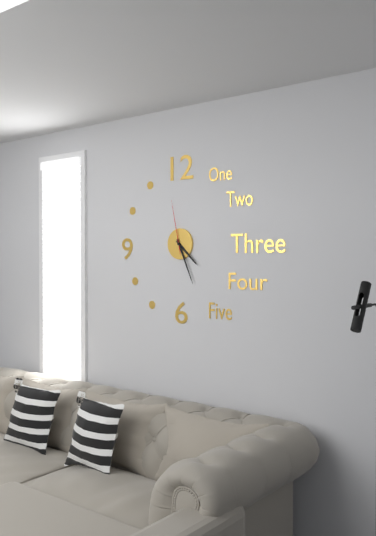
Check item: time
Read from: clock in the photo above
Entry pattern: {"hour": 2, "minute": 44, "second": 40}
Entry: {"hour": 4, "minute": 26, "second": 58}
